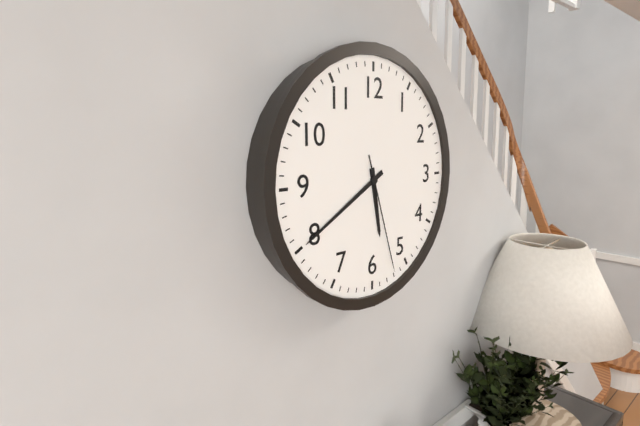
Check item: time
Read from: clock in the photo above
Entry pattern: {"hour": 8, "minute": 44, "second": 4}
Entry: {"hour": 5, "minute": 40, "second": 27}
